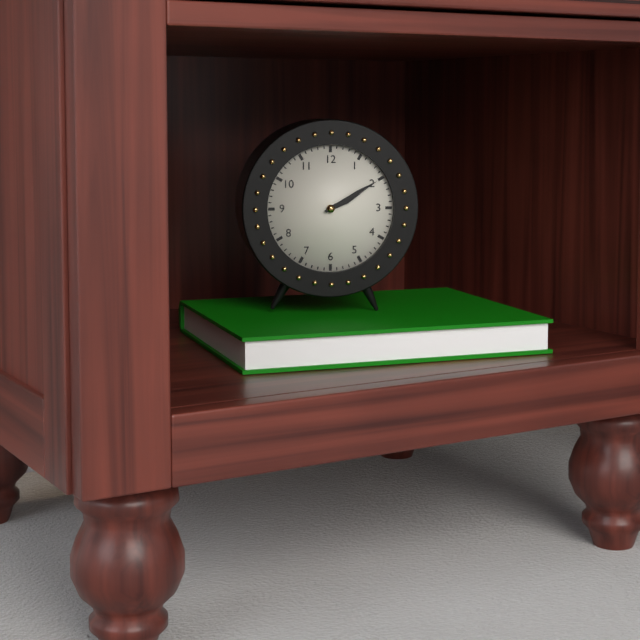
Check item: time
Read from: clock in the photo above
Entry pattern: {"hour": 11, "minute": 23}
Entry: {"hour": 2, "minute": 10}
